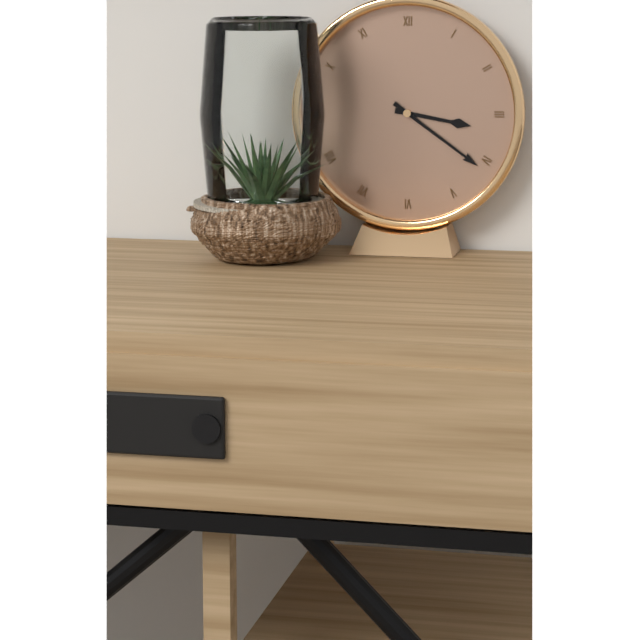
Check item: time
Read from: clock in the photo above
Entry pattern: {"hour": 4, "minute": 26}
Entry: {"hour": 3, "minute": 21}
